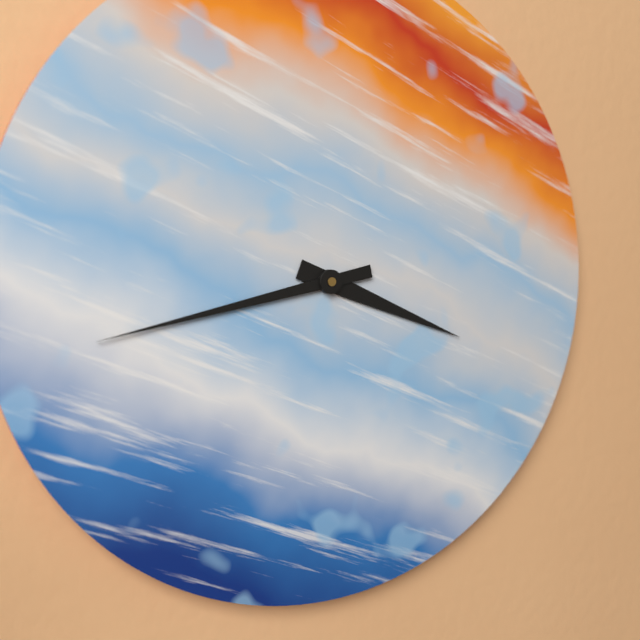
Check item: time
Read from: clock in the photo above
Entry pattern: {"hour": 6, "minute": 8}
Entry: {"hour": 3, "minute": 43}
